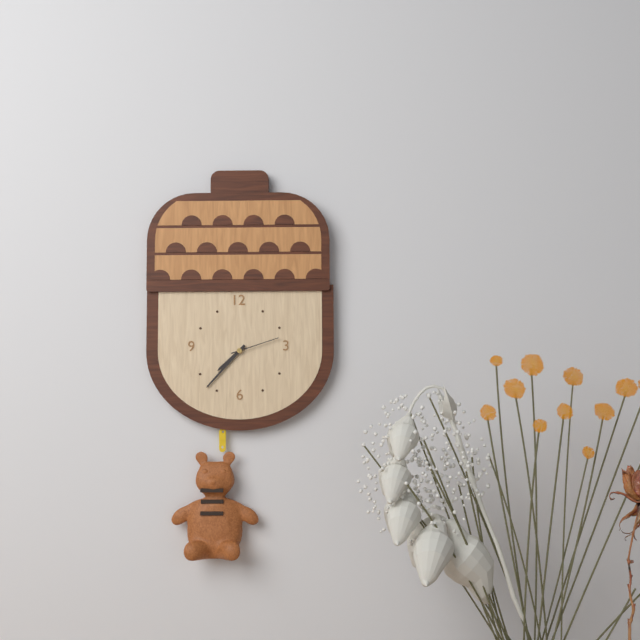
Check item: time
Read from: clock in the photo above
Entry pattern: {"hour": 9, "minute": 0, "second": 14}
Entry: {"hour": 7, "minute": 37, "second": 12}
